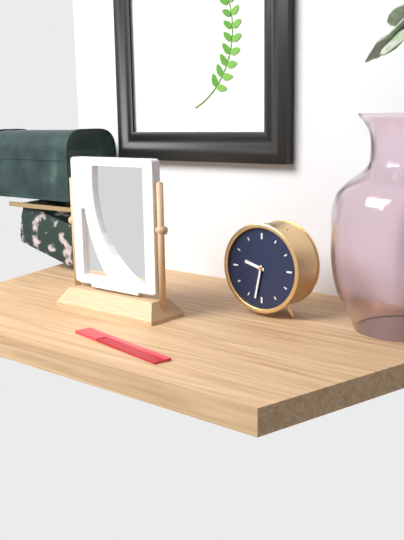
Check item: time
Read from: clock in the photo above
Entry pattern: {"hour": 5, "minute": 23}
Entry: {"hour": 9, "minute": 32}
